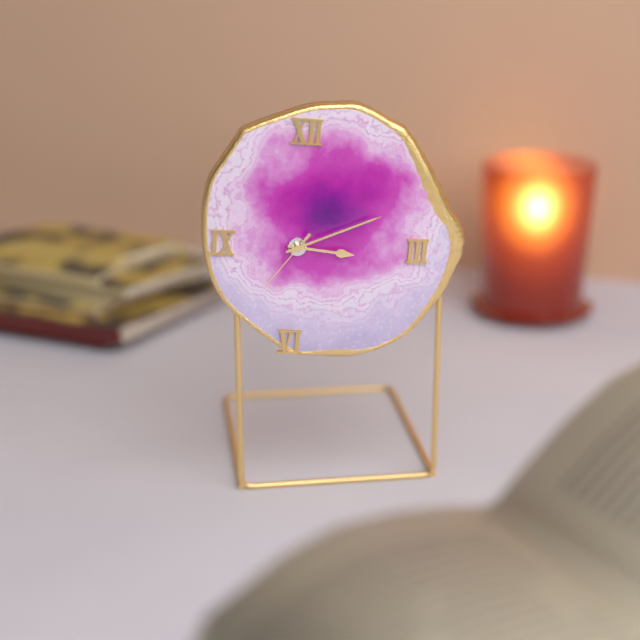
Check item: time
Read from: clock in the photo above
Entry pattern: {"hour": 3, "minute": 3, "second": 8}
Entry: {"hour": 3, "minute": 11, "second": 36}
